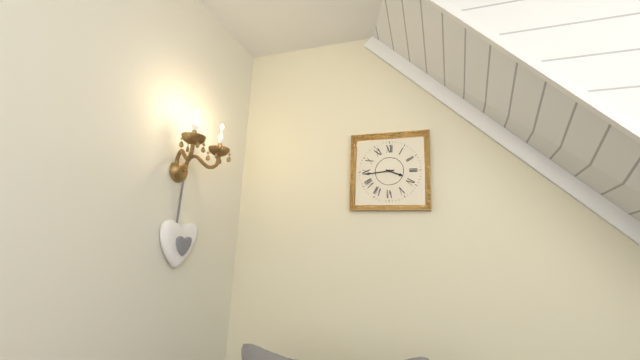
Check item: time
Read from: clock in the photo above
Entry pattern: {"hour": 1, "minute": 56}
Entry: {"hour": 3, "minute": 44}
